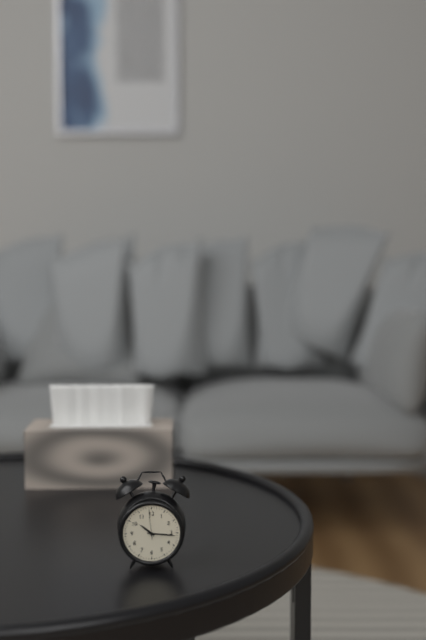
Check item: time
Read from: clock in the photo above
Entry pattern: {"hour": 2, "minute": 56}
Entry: {"hour": 10, "minute": 16}
